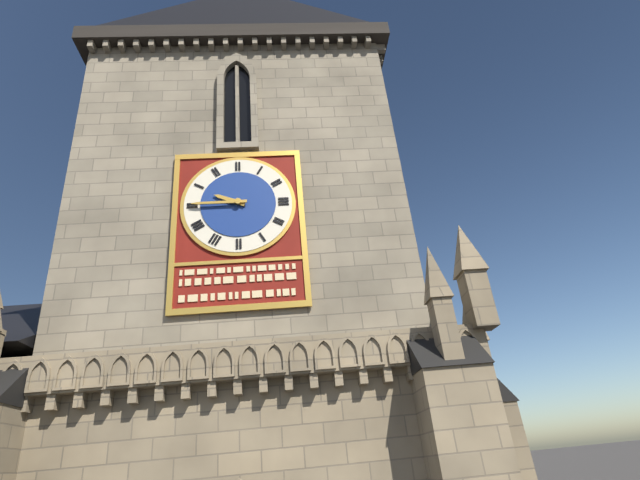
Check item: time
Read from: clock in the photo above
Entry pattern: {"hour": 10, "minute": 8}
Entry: {"hour": 9, "minute": 45}
